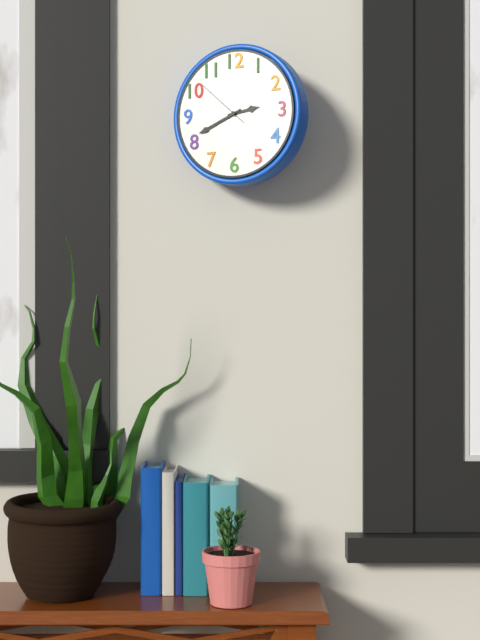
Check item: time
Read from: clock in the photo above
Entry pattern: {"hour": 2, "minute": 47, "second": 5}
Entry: {"hour": 2, "minute": 41, "second": 52}
